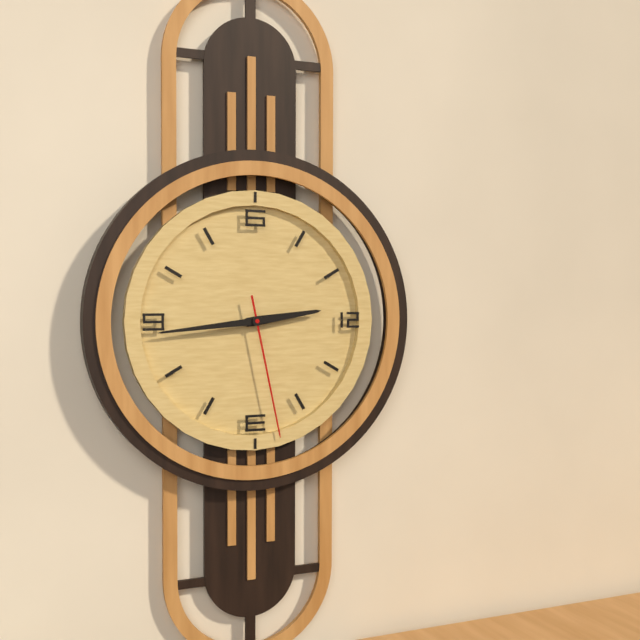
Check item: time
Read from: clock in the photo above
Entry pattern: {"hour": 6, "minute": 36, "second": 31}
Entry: {"hour": 2, "minute": 44, "second": 28}
